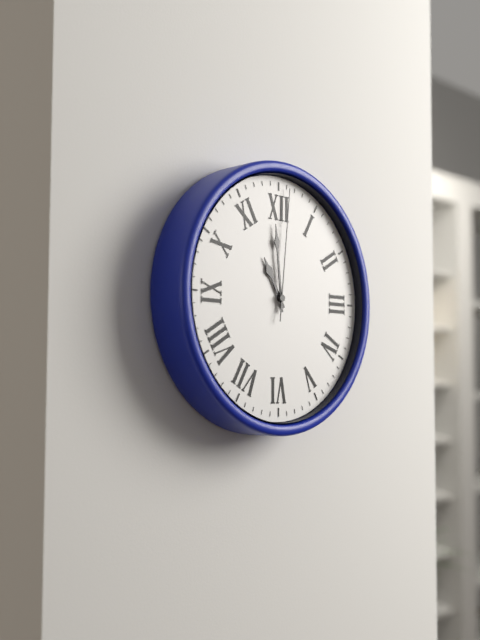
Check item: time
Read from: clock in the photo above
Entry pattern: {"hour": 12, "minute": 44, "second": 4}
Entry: {"hour": 10, "minute": 59, "second": 1}
